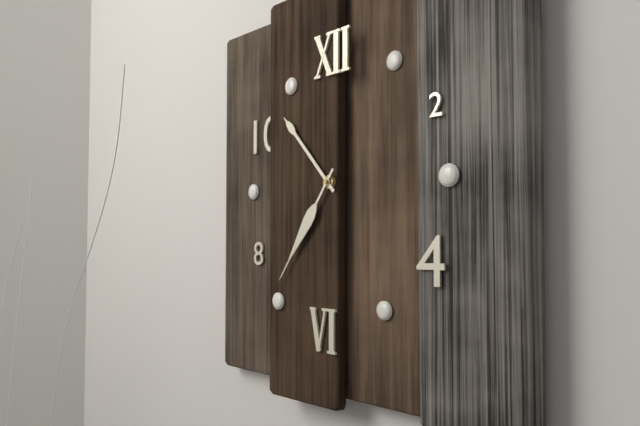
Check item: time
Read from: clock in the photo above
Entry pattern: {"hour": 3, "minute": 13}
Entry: {"hour": 10, "minute": 36}
